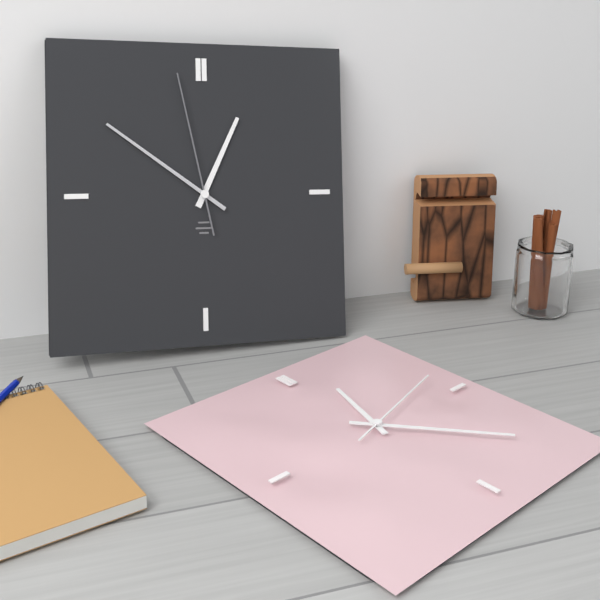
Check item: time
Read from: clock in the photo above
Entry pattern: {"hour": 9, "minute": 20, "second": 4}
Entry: {"hour": 12, "minute": 51, "second": 58}
